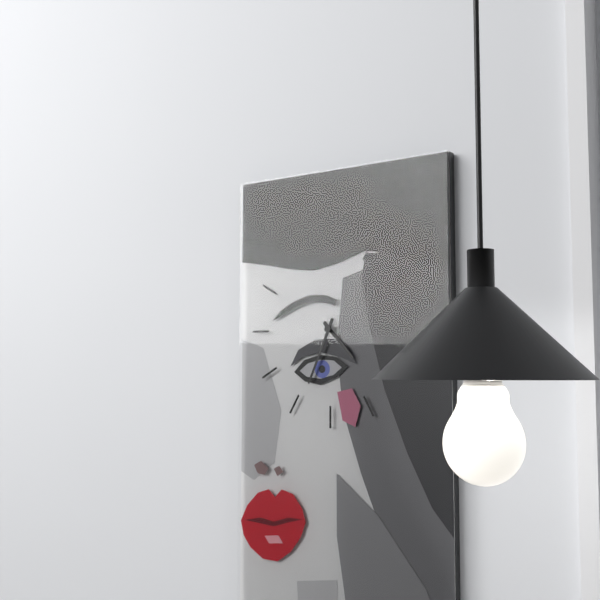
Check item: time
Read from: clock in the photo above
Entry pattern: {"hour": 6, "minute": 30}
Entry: {"hour": 4, "minute": 34}
